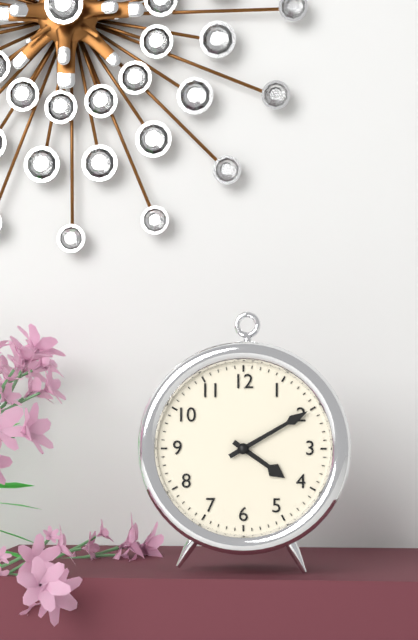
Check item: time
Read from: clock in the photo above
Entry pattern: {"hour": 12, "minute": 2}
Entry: {"hour": 4, "minute": 10}
